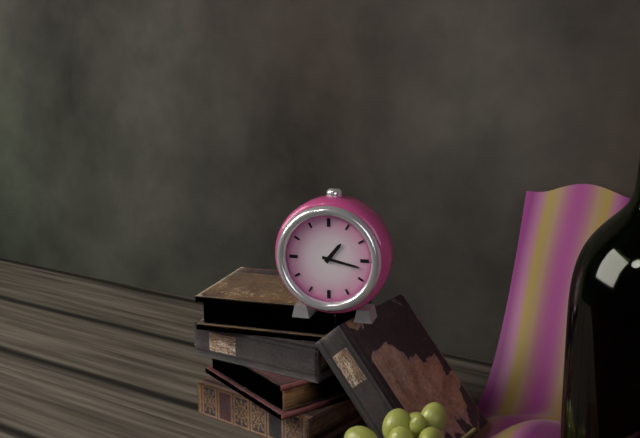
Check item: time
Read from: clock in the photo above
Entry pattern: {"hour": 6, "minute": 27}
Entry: {"hour": 1, "minute": 17}
